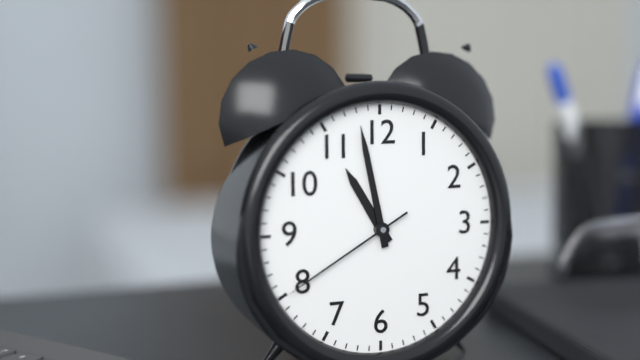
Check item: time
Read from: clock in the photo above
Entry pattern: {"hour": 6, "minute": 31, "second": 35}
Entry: {"hour": 10, "minute": 58, "second": 40}
